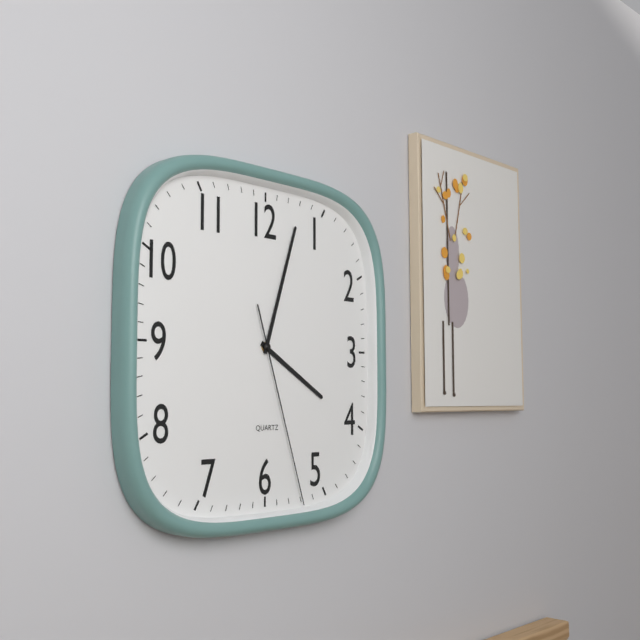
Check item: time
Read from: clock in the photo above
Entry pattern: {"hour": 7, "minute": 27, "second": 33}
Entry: {"hour": 4, "minute": 3, "second": 27}
